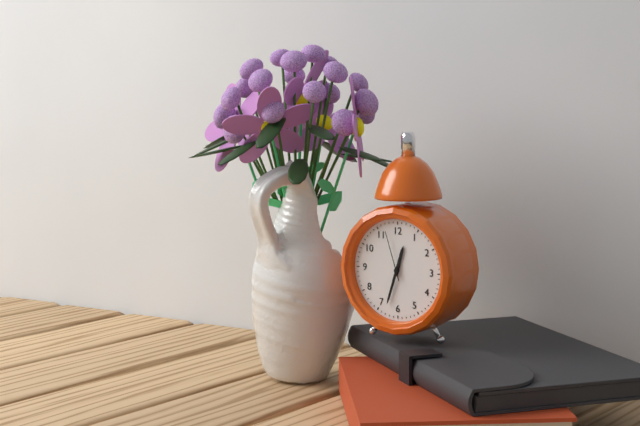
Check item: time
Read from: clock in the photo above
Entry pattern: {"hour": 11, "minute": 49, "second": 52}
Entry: {"hour": 12, "minute": 33, "second": 57}
